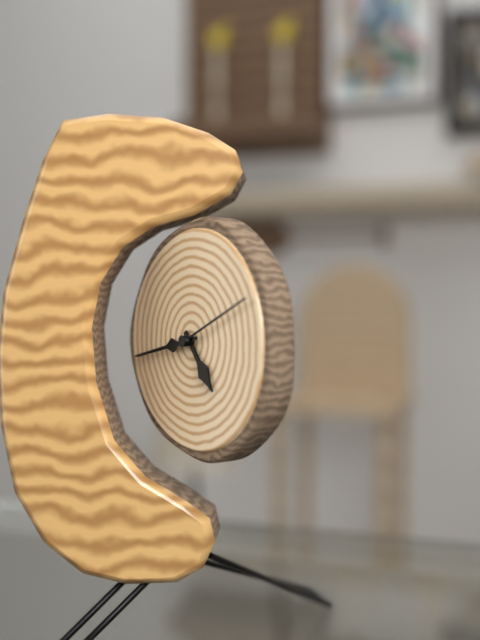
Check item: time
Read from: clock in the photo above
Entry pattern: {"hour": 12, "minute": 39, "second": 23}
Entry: {"hour": 4, "minute": 43, "second": 11}
